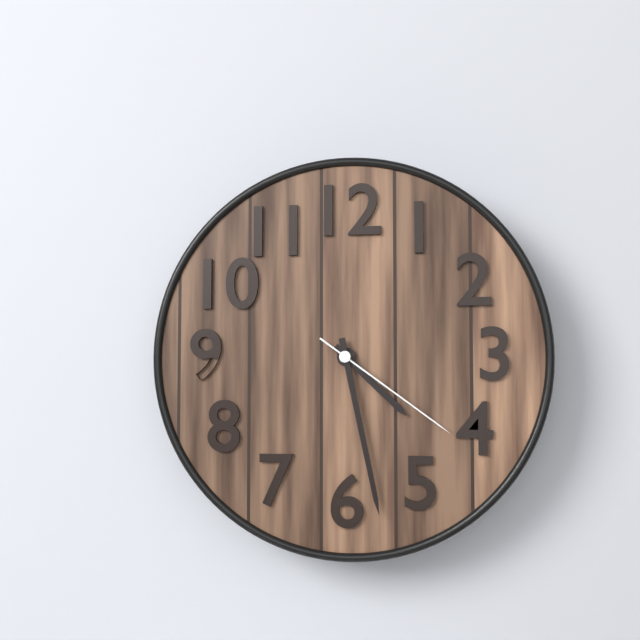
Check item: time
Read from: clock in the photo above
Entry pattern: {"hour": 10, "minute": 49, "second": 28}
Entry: {"hour": 4, "minute": 28, "second": 21}
